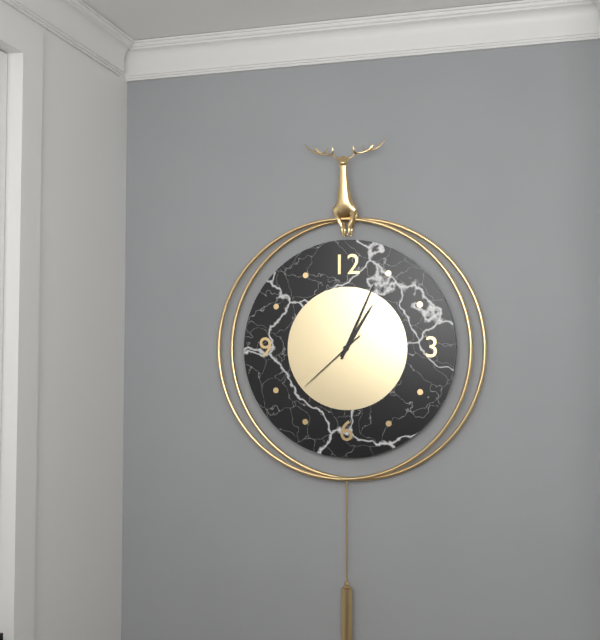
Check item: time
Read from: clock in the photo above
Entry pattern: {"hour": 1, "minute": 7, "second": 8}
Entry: {"hour": 1, "minute": 4, "second": 38}
